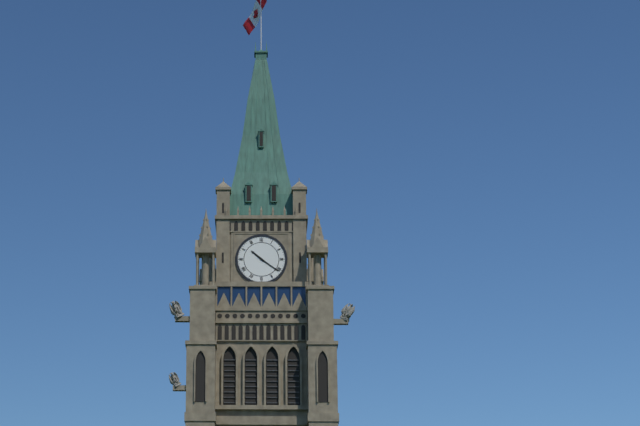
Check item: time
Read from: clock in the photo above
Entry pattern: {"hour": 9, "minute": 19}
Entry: {"hour": 10, "minute": 21}
